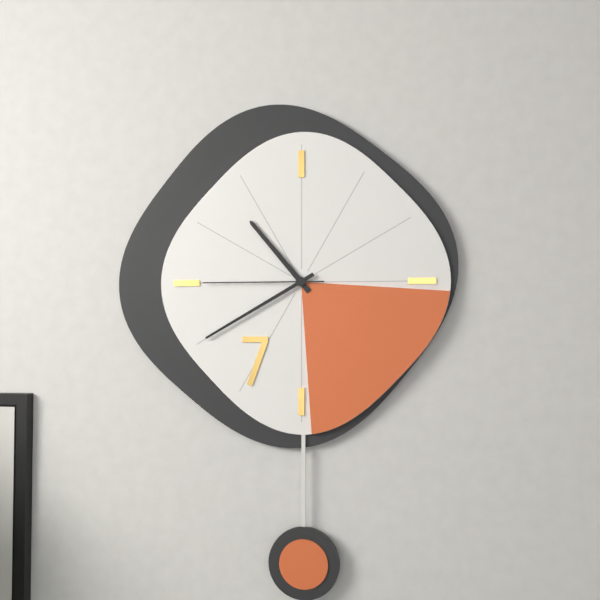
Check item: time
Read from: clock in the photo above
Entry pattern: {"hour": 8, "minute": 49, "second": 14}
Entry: {"hour": 10, "minute": 40, "second": 45}
